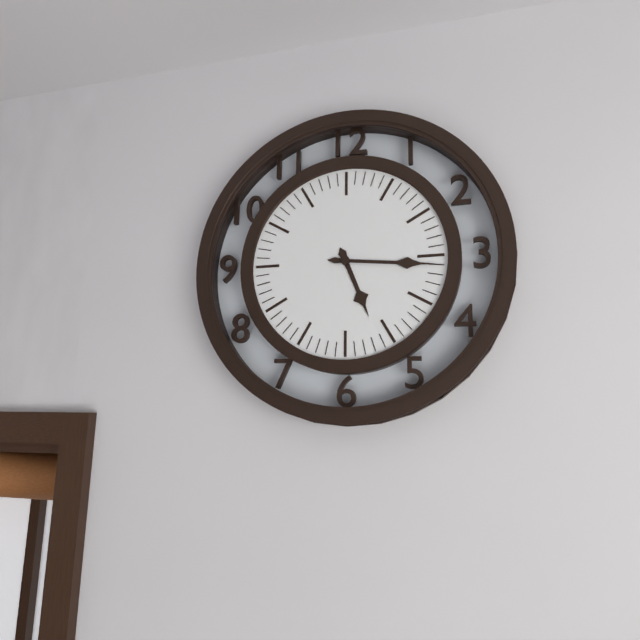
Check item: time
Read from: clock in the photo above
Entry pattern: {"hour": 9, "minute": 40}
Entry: {"hour": 5, "minute": 16}
